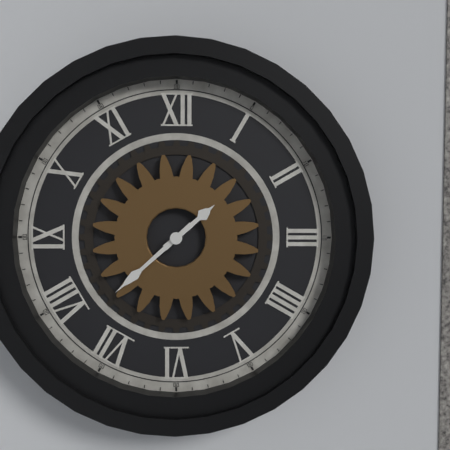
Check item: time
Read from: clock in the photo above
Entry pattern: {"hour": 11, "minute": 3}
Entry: {"hour": 1, "minute": 38}
